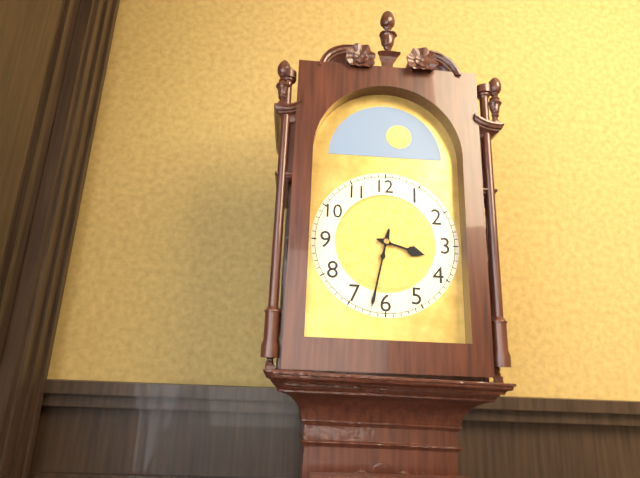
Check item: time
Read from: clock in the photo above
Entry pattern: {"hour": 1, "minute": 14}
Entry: {"hour": 3, "minute": 32}
